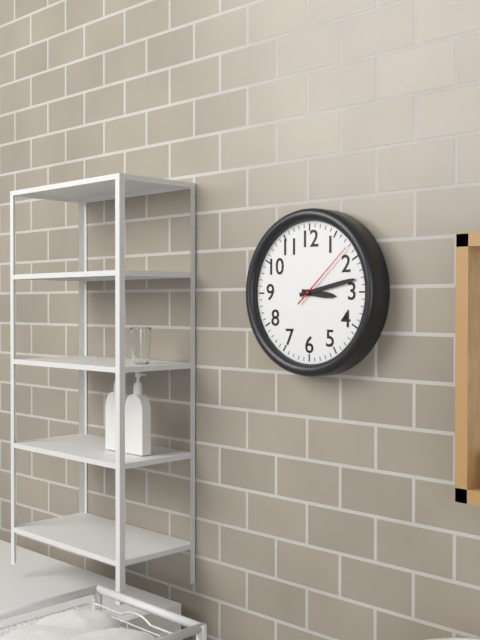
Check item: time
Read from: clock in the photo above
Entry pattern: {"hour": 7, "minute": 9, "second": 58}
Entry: {"hour": 3, "minute": 13, "second": 8}
